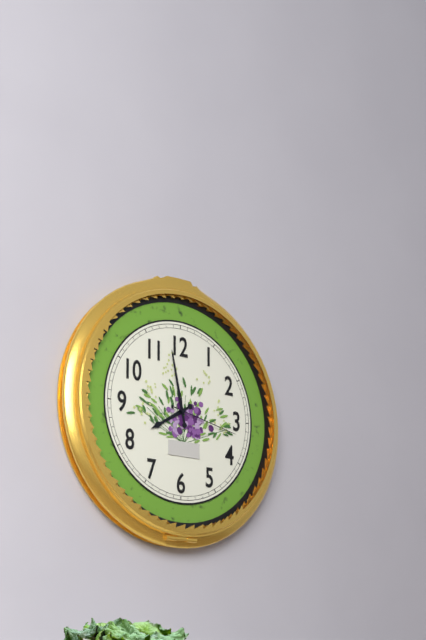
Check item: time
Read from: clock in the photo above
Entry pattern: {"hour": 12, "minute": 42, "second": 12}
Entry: {"hour": 7, "minute": 58, "second": 17}
